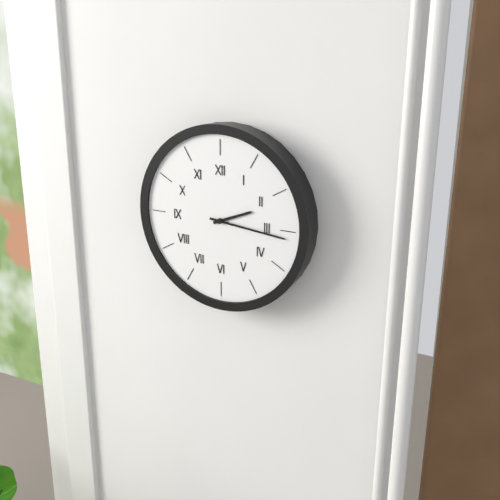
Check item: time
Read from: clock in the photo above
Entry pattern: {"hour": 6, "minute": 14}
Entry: {"hour": 2, "minute": 16}
